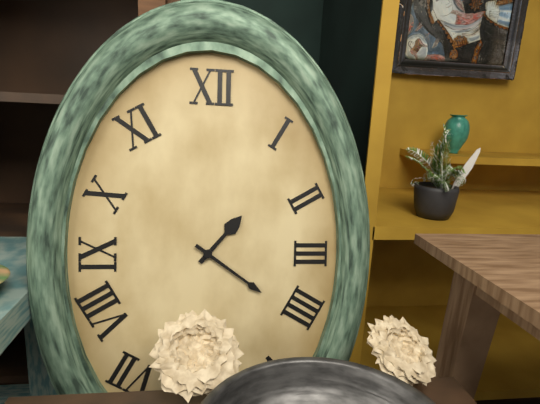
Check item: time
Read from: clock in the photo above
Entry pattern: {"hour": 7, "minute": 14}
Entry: {"hour": 1, "minute": 21}
